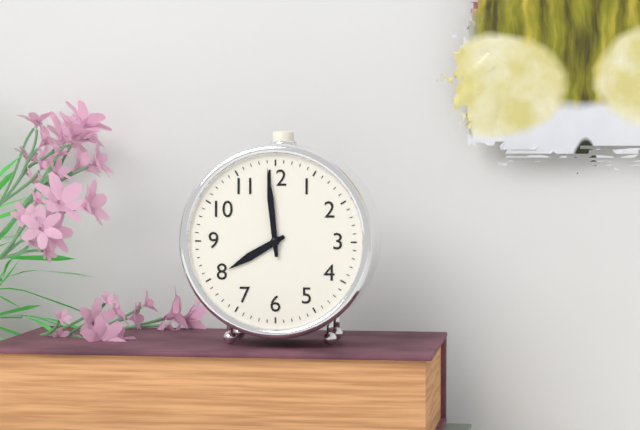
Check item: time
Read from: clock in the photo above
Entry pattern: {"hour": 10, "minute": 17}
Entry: {"hour": 7, "minute": 59}
